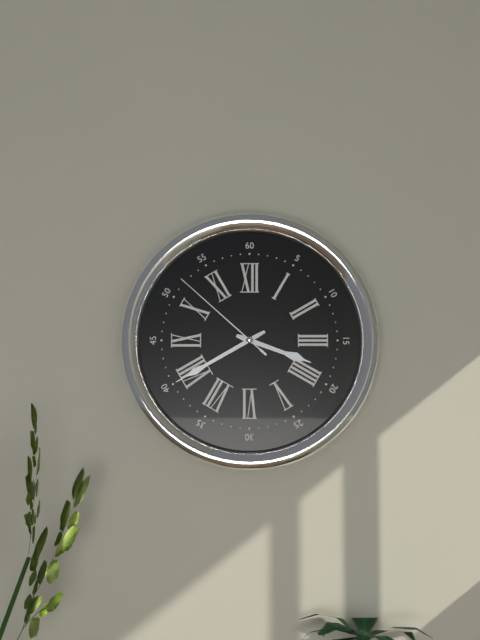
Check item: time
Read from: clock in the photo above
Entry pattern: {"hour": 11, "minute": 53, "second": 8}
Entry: {"hour": 3, "minute": 40, "second": 52}
